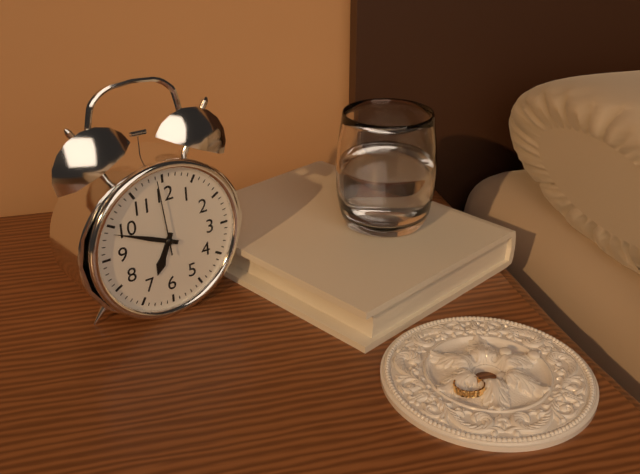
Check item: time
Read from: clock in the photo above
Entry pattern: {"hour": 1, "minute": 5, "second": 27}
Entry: {"hour": 6, "minute": 49, "second": 59}
